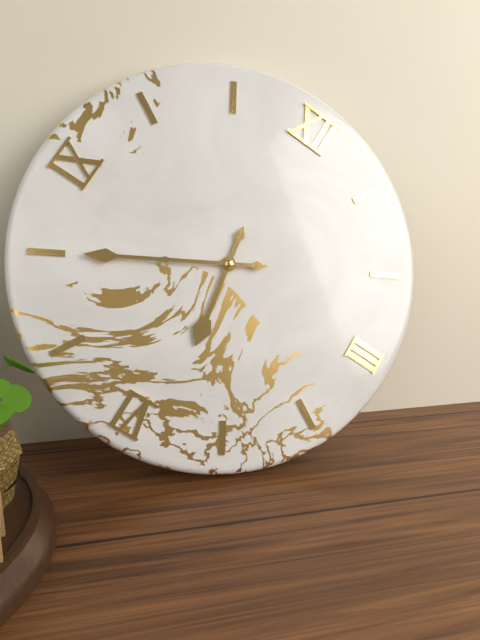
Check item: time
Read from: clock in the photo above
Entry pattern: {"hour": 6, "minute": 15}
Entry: {"hour": 5, "minute": 40}
